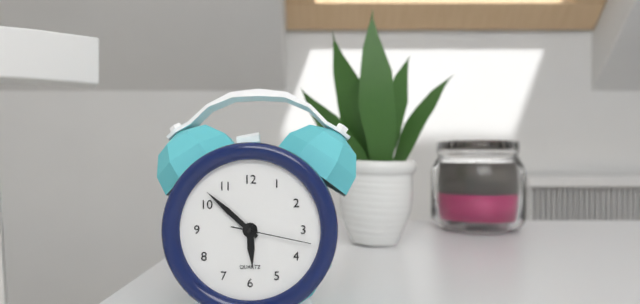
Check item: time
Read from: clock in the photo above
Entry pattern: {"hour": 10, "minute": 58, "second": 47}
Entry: {"hour": 5, "minute": 52, "second": 17}
